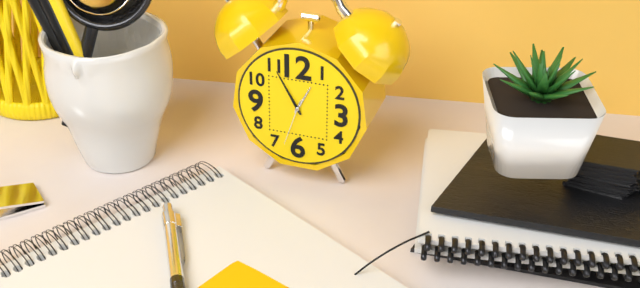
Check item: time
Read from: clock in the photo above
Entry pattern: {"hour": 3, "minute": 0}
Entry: {"hour": 12, "minute": 55}
